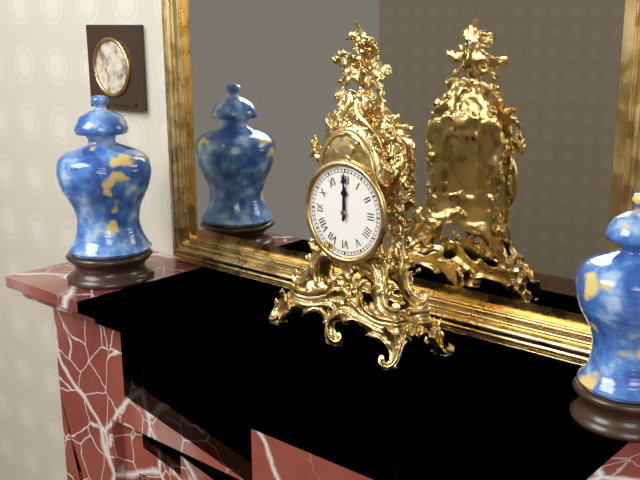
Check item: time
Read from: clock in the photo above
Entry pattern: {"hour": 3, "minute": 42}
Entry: {"hour": 12, "minute": 0}
